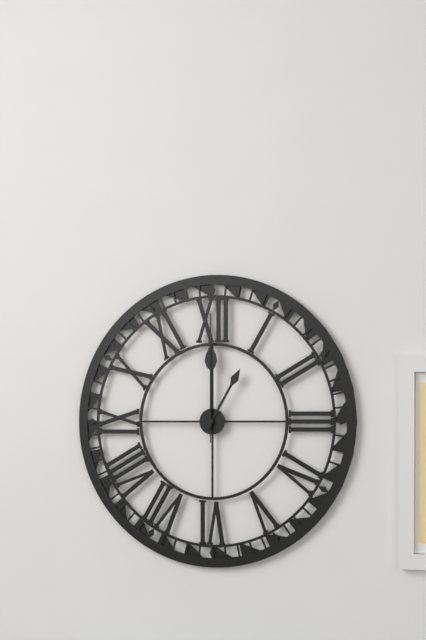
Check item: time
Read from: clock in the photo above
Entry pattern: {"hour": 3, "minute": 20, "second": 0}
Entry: {"hour": 1, "minute": 0, "second": 0}
